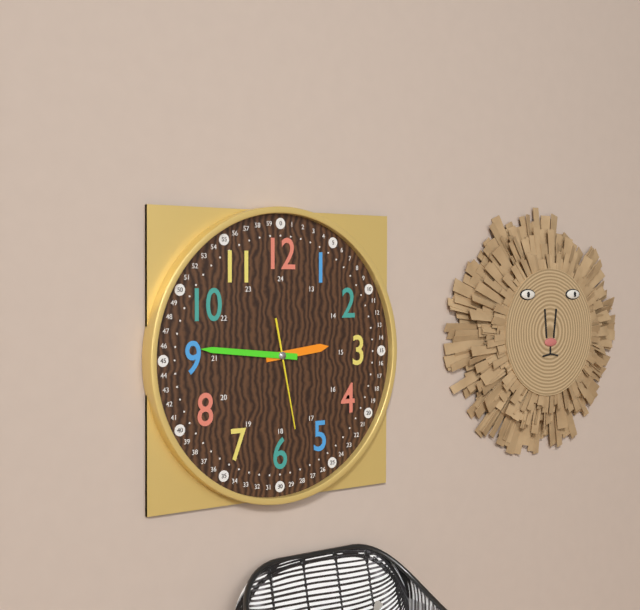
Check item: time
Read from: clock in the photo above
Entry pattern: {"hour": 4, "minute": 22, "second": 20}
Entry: {"hour": 2, "minute": 46, "second": 28}
